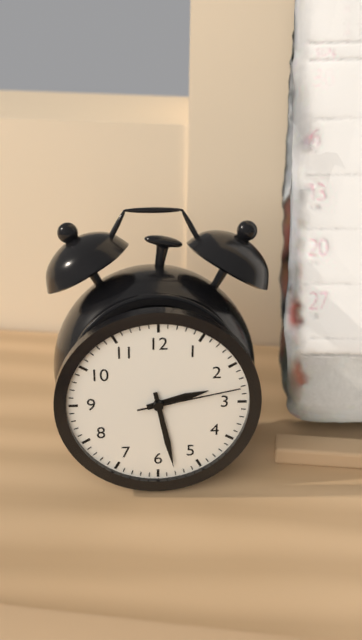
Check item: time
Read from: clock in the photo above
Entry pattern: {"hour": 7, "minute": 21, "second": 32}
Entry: {"hour": 2, "minute": 28, "second": 13}
